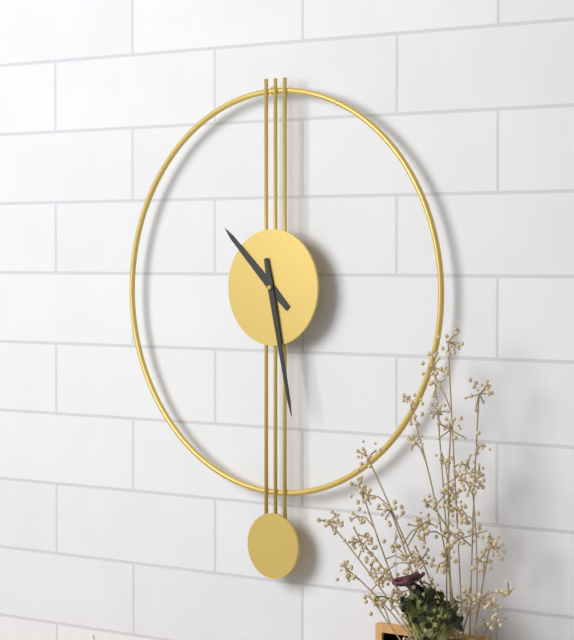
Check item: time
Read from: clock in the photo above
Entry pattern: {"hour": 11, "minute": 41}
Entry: {"hour": 10, "minute": 28}
